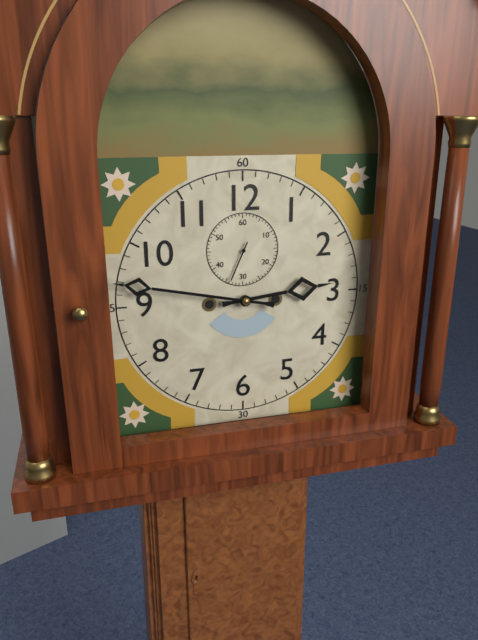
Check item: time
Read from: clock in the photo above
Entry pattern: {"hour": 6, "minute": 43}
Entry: {"hour": 2, "minute": 47}
